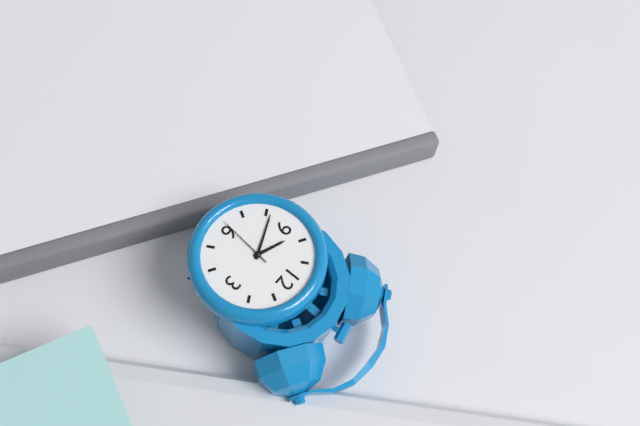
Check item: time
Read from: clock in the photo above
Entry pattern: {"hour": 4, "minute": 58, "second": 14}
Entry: {"hour": 9, "minute": 41, "second": 31}
